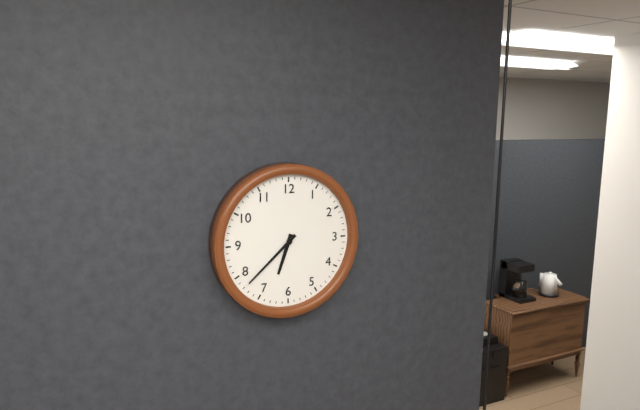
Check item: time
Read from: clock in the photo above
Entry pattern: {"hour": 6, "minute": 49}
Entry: {"hour": 6, "minute": 38}
